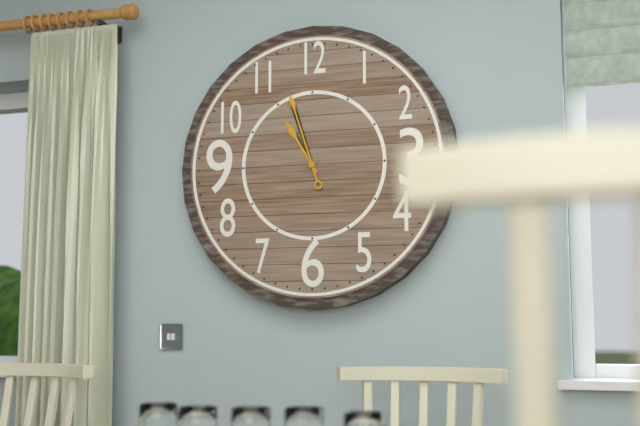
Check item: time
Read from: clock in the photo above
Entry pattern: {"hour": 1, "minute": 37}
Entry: {"hour": 10, "minute": 57}
